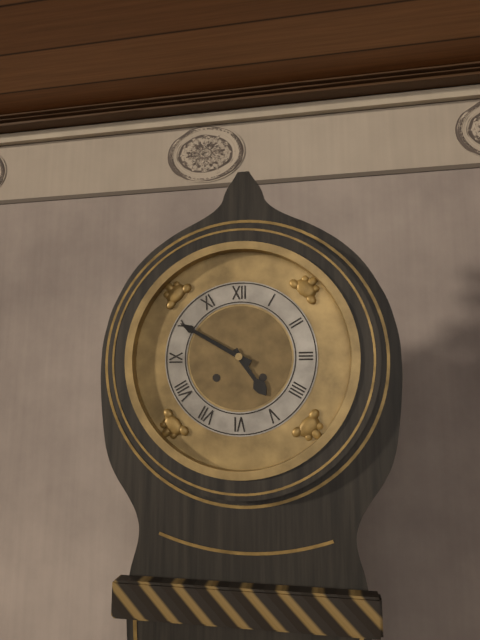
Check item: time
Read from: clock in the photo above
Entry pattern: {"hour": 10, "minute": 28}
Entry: {"hour": 4, "minute": 50}
